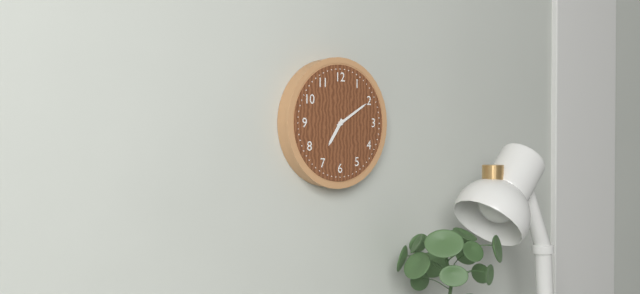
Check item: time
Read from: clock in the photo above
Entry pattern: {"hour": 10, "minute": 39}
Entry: {"hour": 7, "minute": 10}
